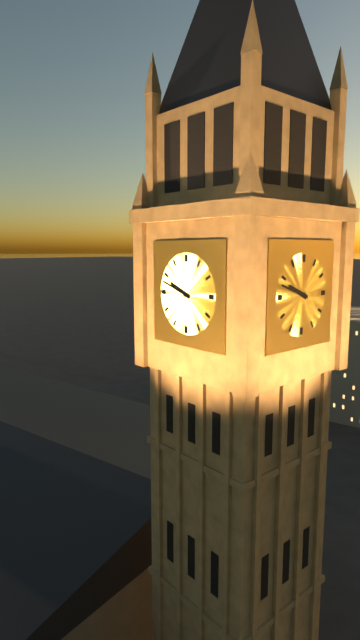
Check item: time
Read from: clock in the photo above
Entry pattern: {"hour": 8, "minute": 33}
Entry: {"hour": 9, "minute": 48}
